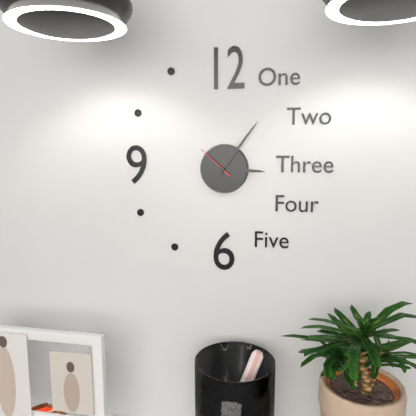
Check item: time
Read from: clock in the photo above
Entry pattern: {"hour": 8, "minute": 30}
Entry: {"hour": 3, "minute": 6}
